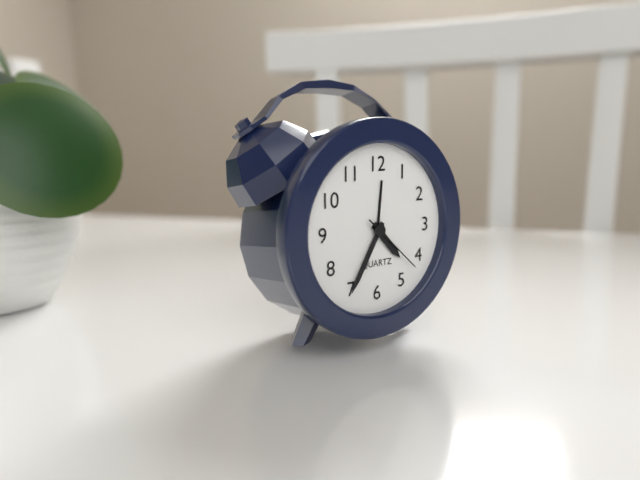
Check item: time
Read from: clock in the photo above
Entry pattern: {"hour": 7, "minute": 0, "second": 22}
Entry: {"hour": 4, "minute": 35, "second": 22}
